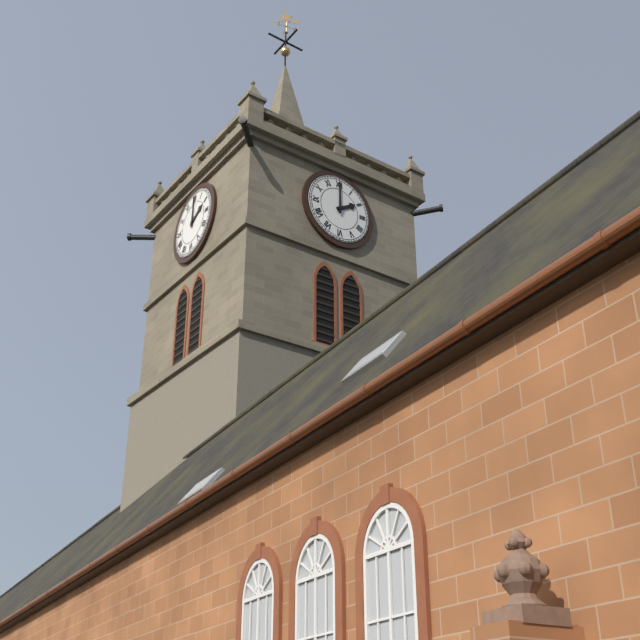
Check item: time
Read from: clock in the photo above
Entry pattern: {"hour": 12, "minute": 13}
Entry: {"hour": 2, "minute": 0}
